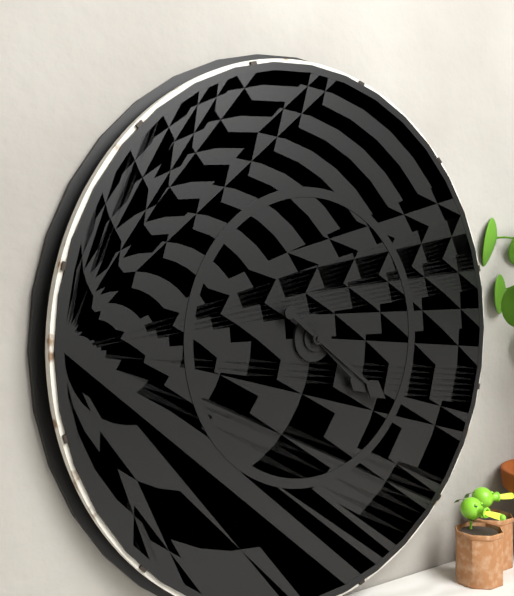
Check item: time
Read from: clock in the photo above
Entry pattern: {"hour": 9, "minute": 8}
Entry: {"hour": 4, "minute": 21}
